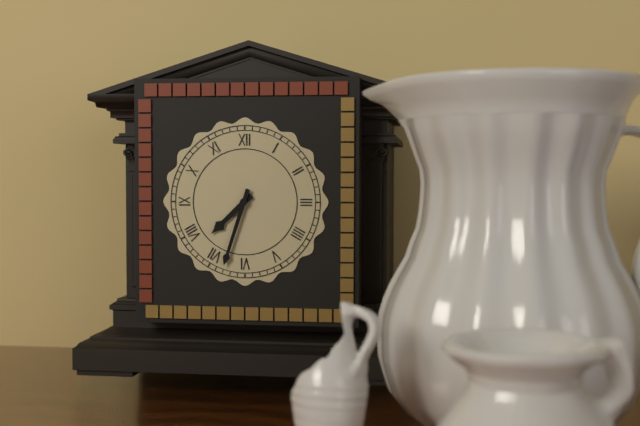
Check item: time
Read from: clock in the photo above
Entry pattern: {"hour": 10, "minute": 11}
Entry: {"hour": 7, "minute": 33}
